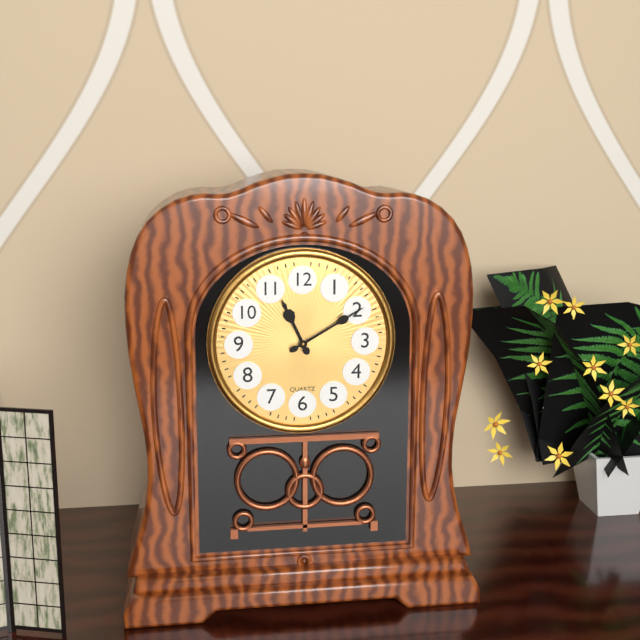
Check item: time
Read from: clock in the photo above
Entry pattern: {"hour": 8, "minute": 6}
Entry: {"hour": 11, "minute": 10}
